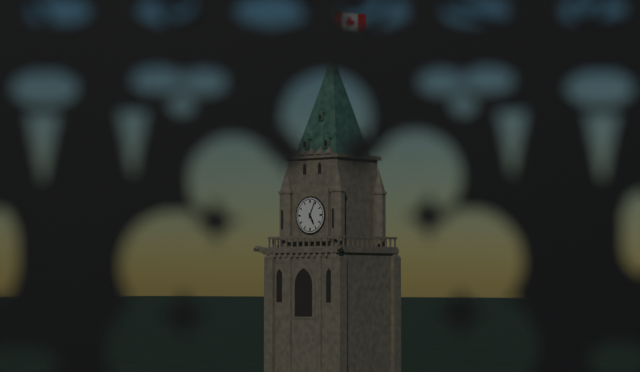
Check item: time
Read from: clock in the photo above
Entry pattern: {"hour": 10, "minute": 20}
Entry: {"hour": 5, "minute": 4}
